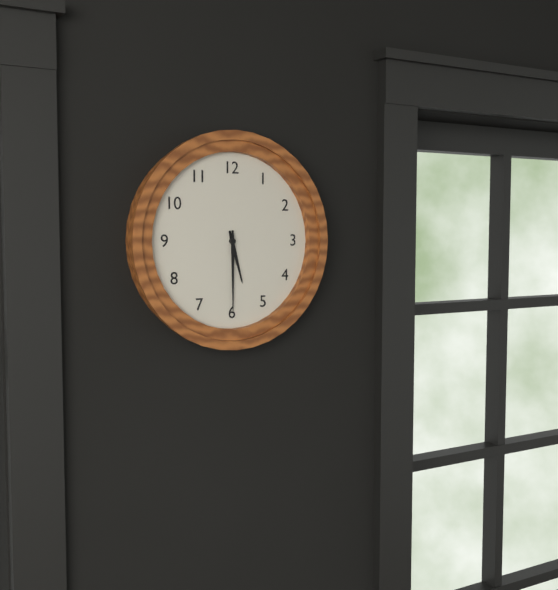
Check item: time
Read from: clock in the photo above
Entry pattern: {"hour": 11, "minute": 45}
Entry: {"hour": 5, "minute": 30}
